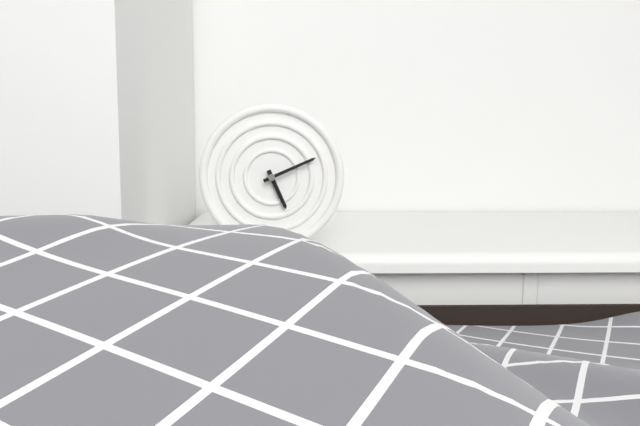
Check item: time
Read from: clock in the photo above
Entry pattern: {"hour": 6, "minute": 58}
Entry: {"hour": 5, "minute": 11}
